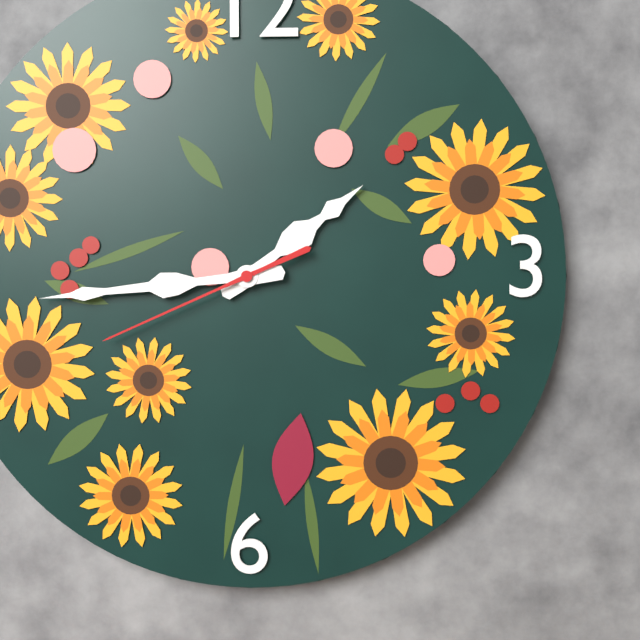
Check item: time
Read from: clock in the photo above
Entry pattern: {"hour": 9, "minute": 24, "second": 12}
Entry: {"hour": 1, "minute": 44, "second": 41}
